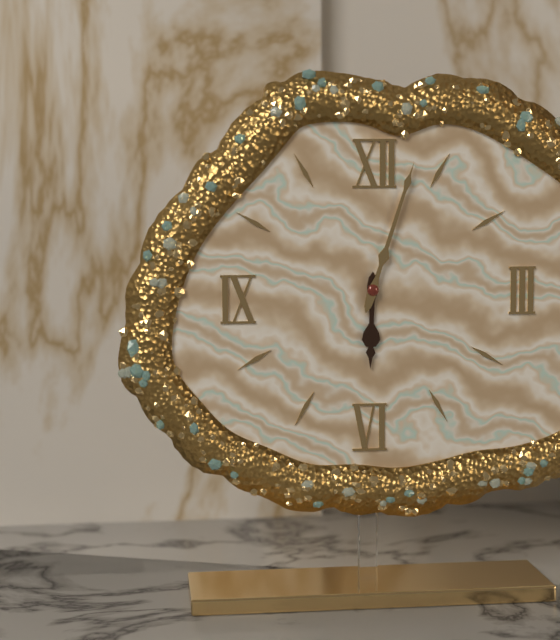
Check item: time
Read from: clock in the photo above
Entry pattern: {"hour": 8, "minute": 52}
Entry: {"hour": 6, "minute": 3}
